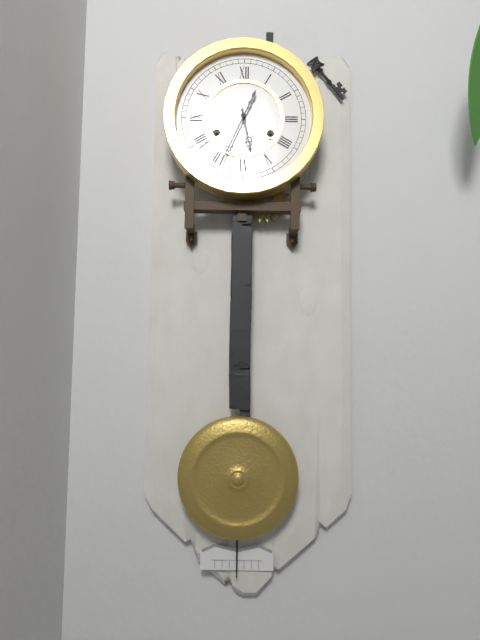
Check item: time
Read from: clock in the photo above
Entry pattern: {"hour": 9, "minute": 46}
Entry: {"hour": 5, "minute": 34}
